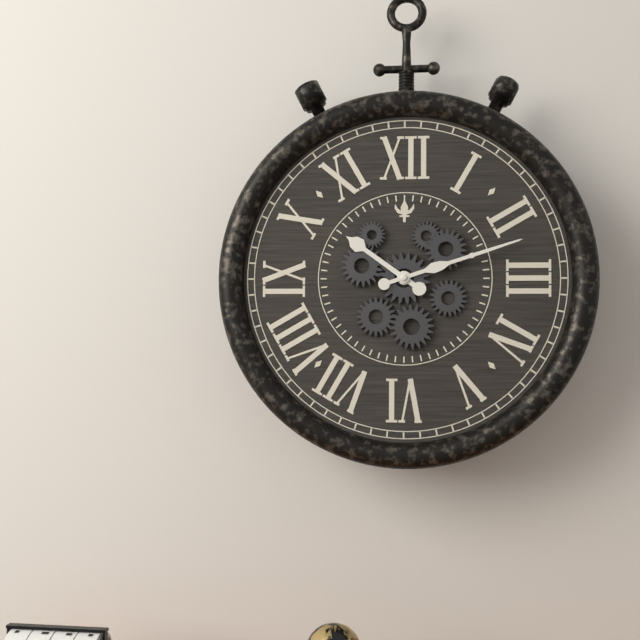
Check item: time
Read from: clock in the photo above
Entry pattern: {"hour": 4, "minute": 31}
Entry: {"hour": 10, "minute": 12}
